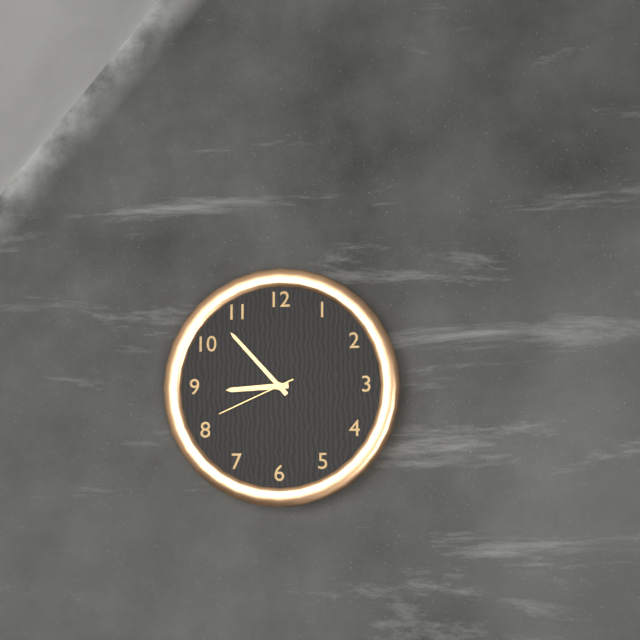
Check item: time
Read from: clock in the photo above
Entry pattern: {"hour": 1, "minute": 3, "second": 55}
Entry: {"hour": 8, "minute": 53, "second": 41}
